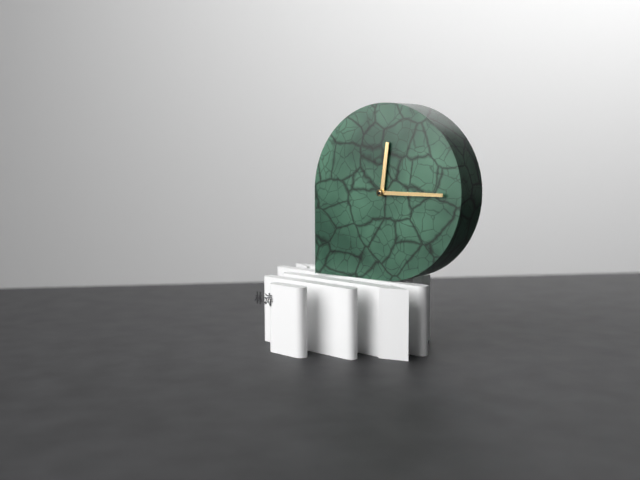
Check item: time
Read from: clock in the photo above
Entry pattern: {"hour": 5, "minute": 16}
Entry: {"hour": 12, "minute": 15}
